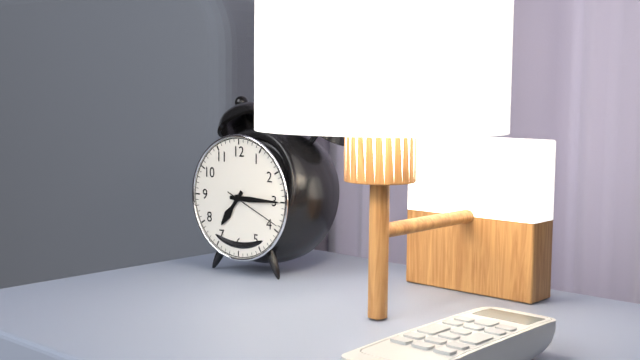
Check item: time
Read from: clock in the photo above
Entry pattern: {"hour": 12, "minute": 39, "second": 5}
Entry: {"hour": 7, "minute": 15, "second": 19}
